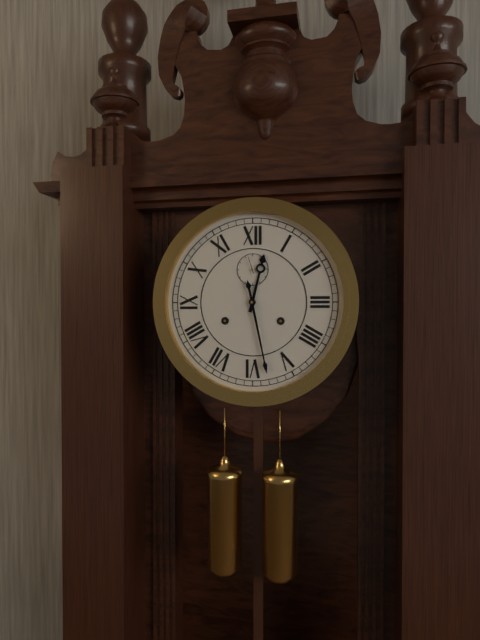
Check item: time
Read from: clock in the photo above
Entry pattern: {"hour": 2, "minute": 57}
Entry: {"hour": 12, "minute": 28}
